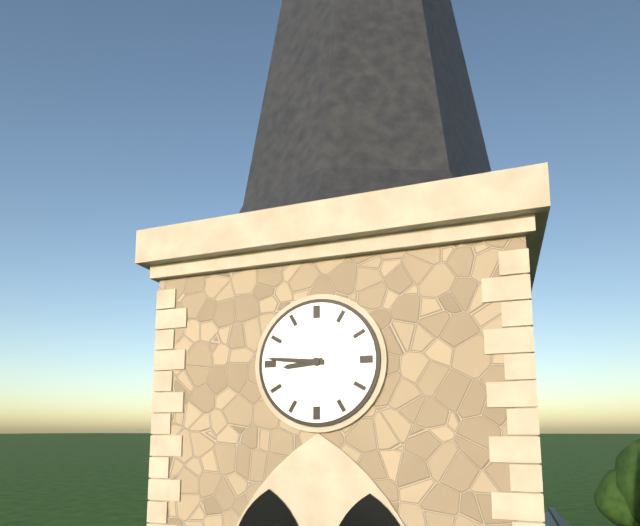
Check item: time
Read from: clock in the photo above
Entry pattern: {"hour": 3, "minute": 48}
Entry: {"hour": 8, "minute": 46}
